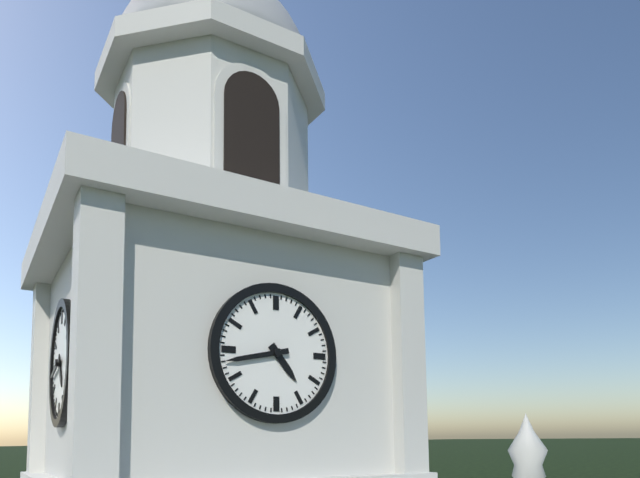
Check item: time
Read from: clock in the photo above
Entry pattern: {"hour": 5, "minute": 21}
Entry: {"hour": 4, "minute": 43}
